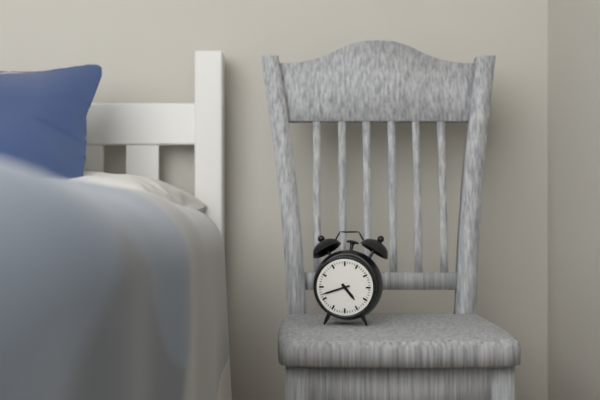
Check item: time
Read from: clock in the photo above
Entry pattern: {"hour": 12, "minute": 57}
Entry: {"hour": 4, "minute": 42}
